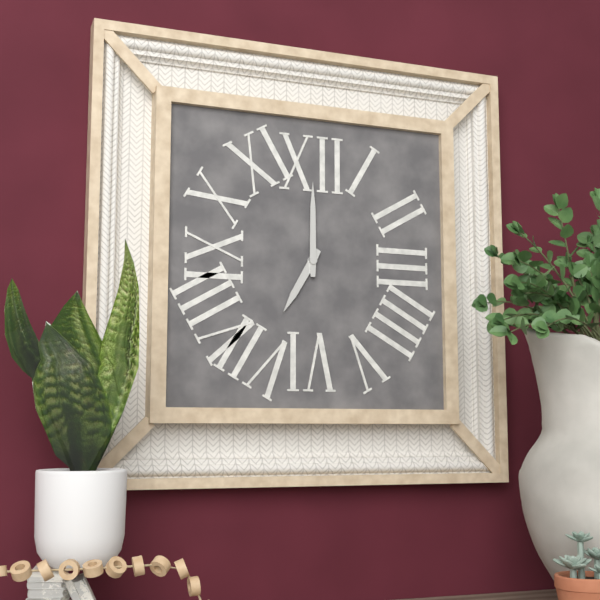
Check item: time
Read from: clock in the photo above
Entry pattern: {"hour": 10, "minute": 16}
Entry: {"hour": 7, "minute": 0}
